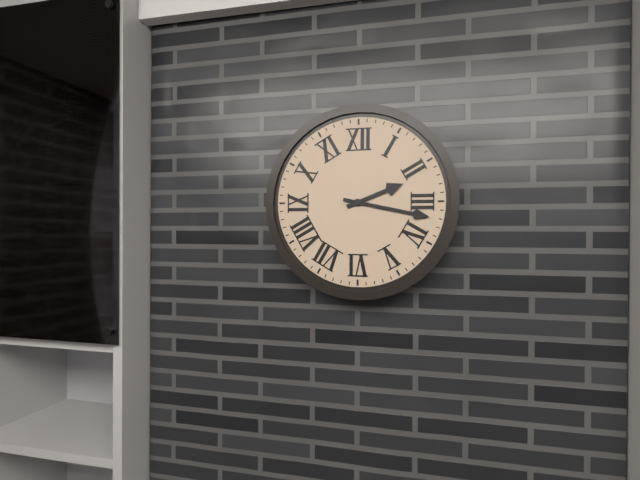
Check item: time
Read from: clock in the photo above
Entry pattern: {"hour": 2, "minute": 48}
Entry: {"hour": 2, "minute": 17}
